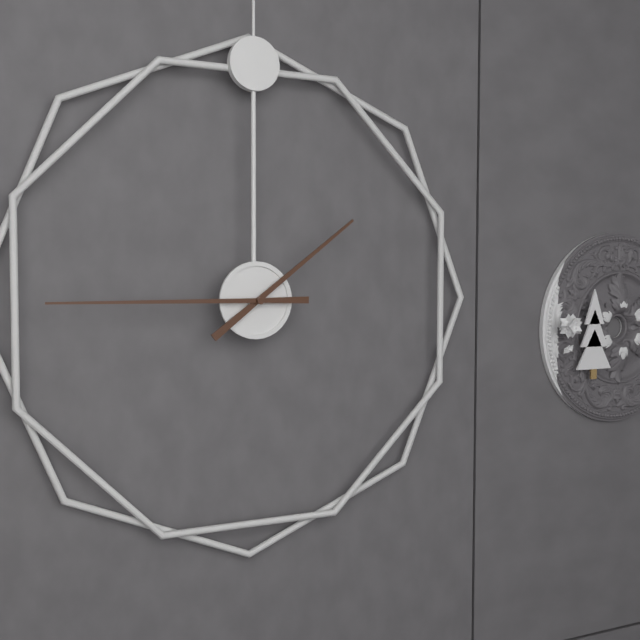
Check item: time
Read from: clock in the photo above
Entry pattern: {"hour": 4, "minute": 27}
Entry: {"hour": 1, "minute": 45}
